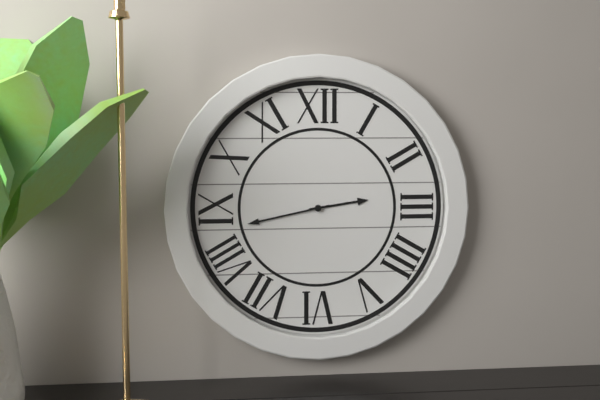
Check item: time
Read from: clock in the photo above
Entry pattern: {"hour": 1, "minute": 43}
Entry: {"hour": 2, "minute": 43}
